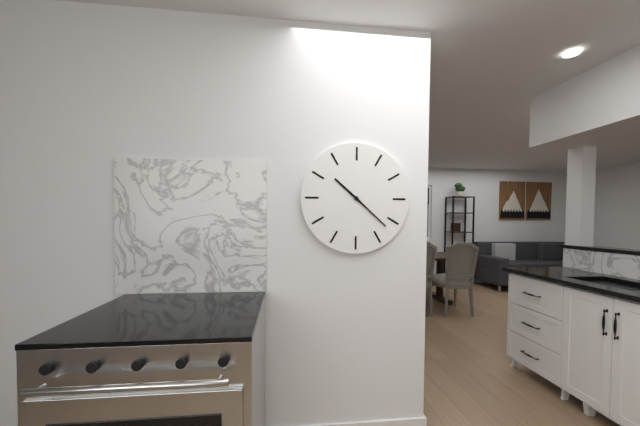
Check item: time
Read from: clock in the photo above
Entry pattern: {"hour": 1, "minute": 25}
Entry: {"hour": 10, "minute": 22}
